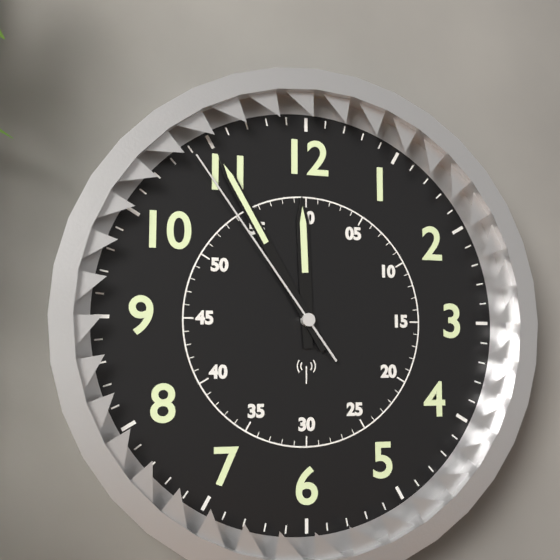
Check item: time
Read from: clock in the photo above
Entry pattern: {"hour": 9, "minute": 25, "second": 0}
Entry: {"hour": 11, "minute": 55, "second": 54}
